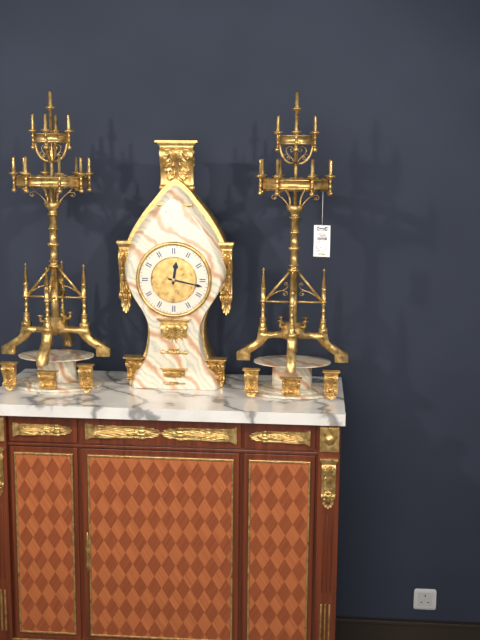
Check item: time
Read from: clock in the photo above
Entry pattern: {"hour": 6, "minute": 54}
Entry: {"hour": 12, "minute": 17}
